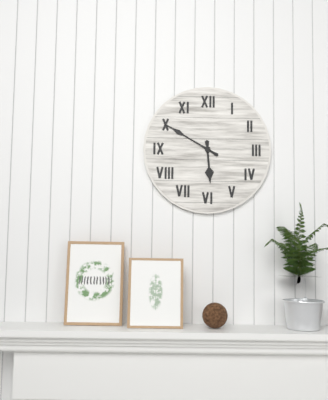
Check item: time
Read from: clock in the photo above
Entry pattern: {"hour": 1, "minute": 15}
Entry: {"hour": 5, "minute": 50}
